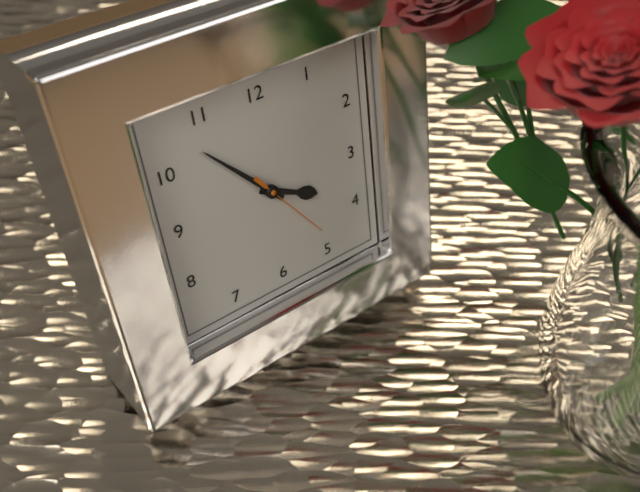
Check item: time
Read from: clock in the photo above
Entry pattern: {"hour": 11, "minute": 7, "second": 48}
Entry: {"hour": 3, "minute": 53, "second": 24}
